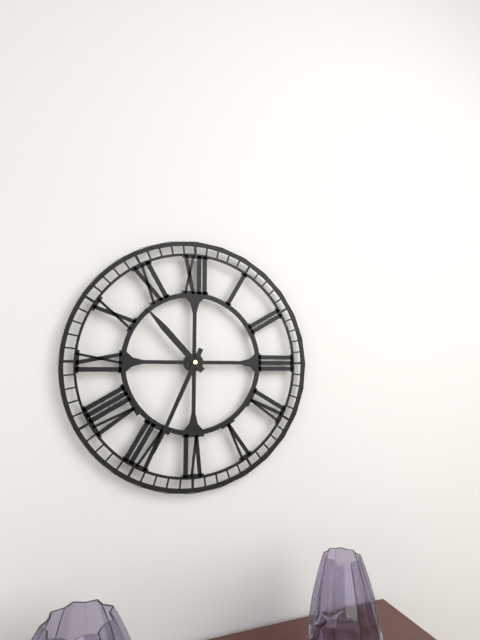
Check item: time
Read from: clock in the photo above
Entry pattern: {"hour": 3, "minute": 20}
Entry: {"hour": 10, "minute": 34}
